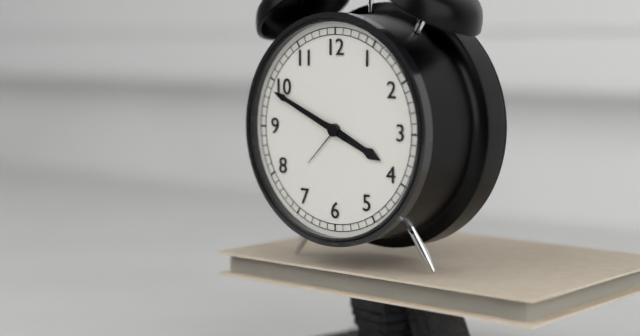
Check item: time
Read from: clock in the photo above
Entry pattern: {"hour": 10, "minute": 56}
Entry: {"hour": 3, "minute": 49}
